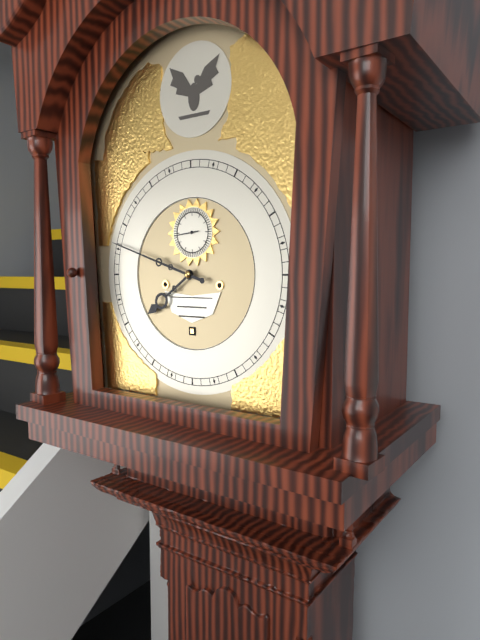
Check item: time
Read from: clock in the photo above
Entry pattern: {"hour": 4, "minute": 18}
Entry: {"hour": 7, "minute": 48}
